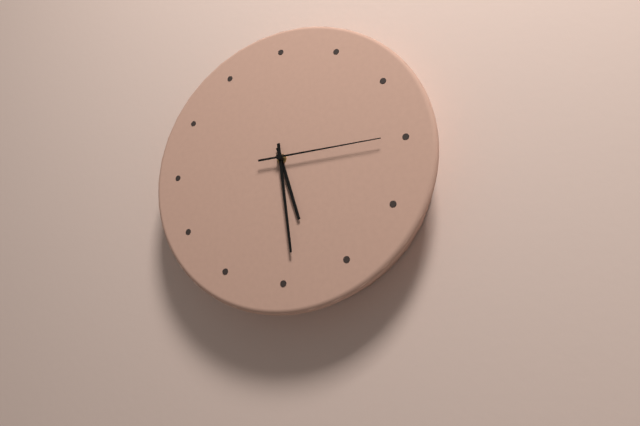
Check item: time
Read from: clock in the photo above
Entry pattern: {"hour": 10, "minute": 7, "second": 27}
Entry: {"hour": 5, "minute": 29, "second": 15}
